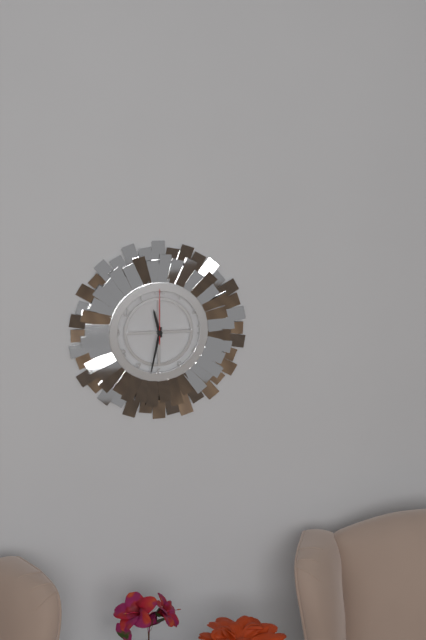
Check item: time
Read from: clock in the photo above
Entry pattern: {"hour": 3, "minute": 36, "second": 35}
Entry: {"hour": 11, "minute": 32, "second": 0}
